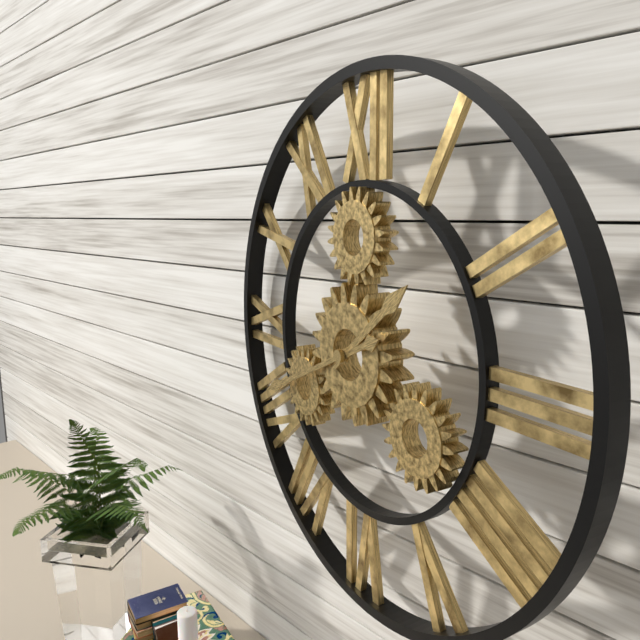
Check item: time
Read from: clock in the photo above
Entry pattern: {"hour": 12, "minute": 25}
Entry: {"hour": 1, "minute": 41}
